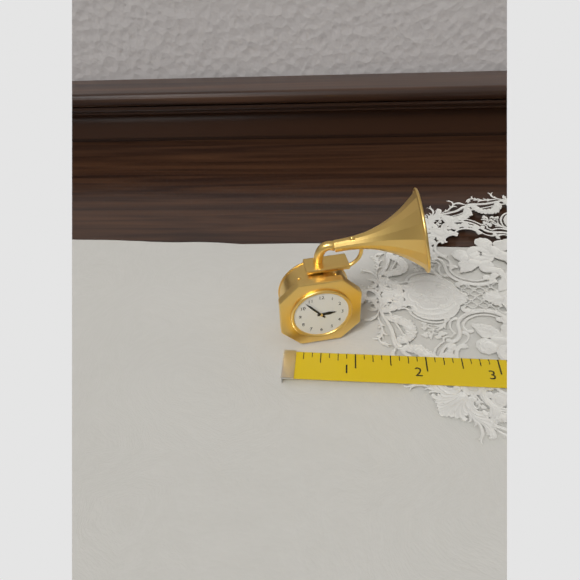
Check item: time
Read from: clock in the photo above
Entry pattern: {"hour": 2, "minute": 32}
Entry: {"hour": 2, "minute": 53}
